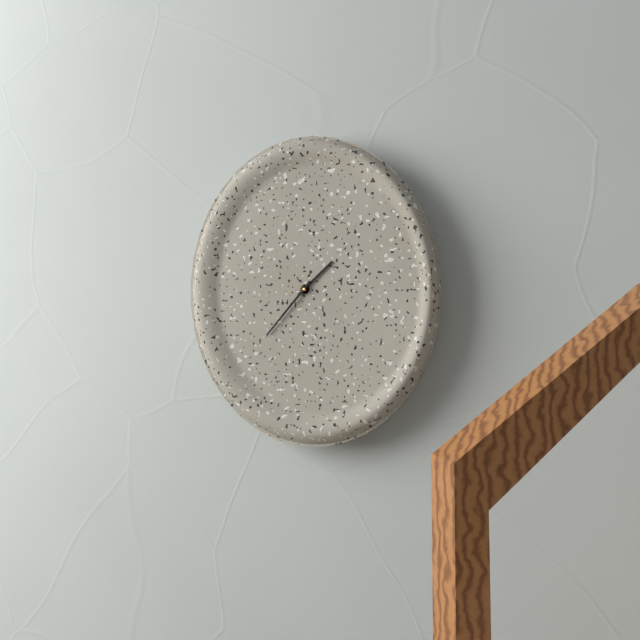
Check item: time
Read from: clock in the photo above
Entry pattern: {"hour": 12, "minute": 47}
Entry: {"hour": 1, "minute": 37}
